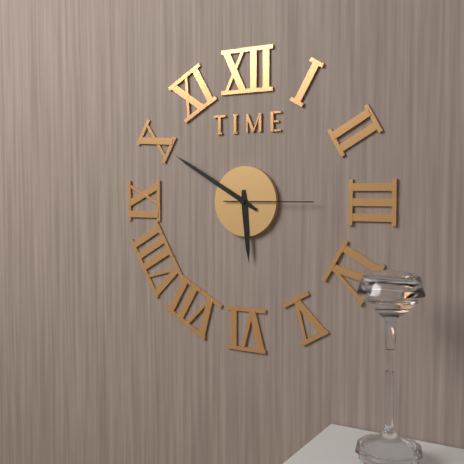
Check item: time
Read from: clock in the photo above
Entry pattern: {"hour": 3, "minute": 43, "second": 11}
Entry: {"hour": 5, "minute": 50, "second": 15}
